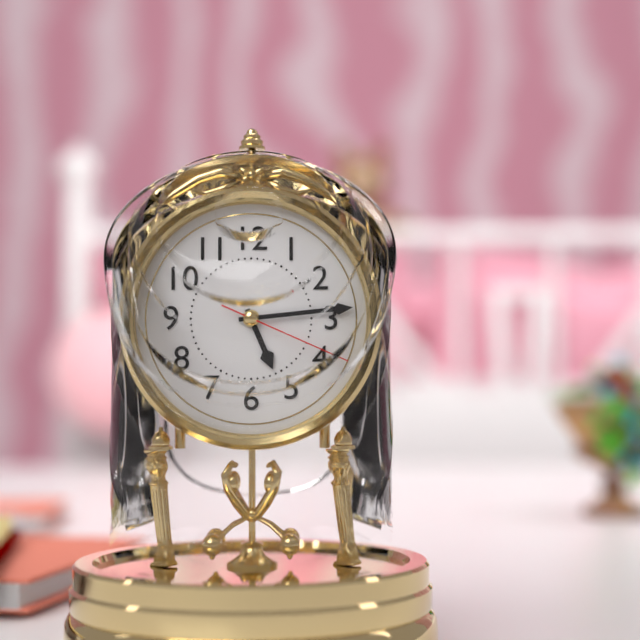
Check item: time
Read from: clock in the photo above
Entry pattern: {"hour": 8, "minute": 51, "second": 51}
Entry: {"hour": 5, "minute": 14, "second": 19}
